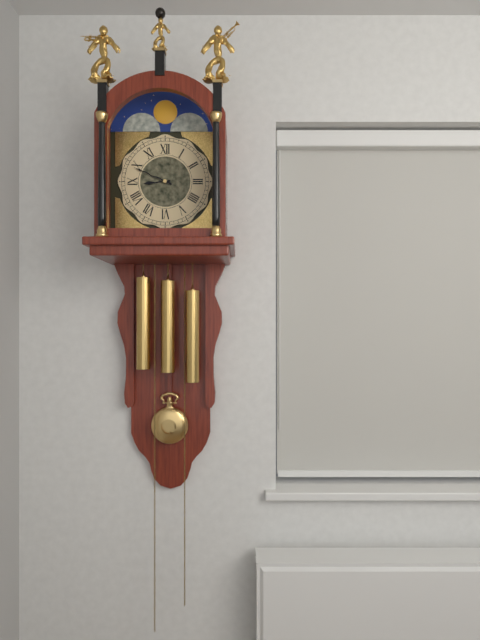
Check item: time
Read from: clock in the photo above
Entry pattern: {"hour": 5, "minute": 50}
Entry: {"hour": 8, "minute": 49}
